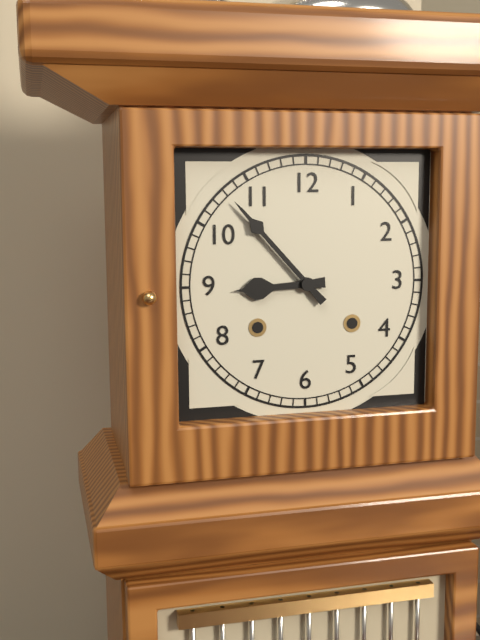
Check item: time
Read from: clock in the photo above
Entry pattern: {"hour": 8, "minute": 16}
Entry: {"hour": 8, "minute": 53}
